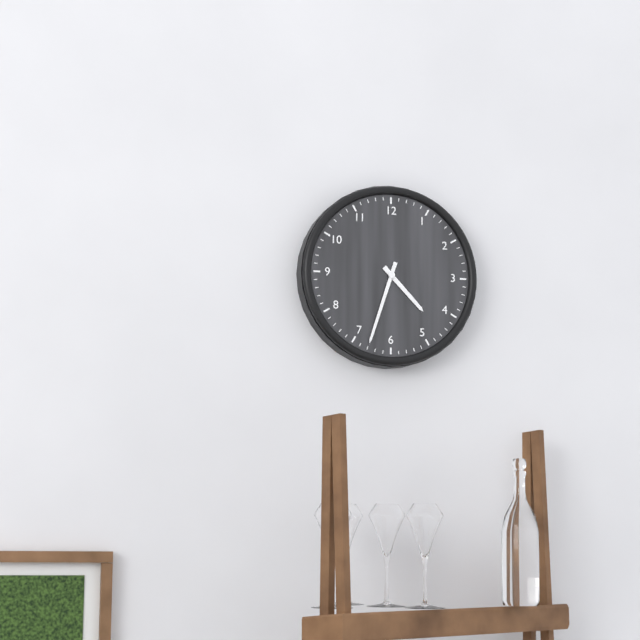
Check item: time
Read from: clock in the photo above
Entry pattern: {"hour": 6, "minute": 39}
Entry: {"hour": 4, "minute": 33}
